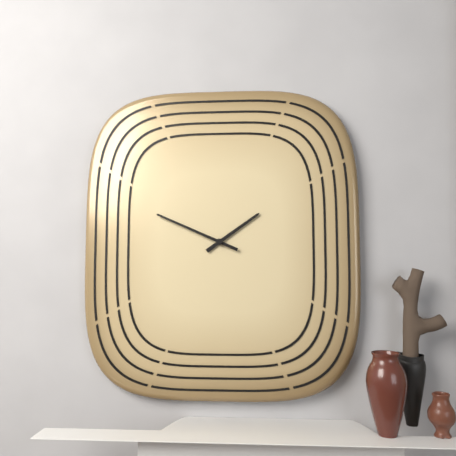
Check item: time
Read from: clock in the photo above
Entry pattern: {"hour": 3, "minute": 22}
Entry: {"hour": 1, "minute": 49}
